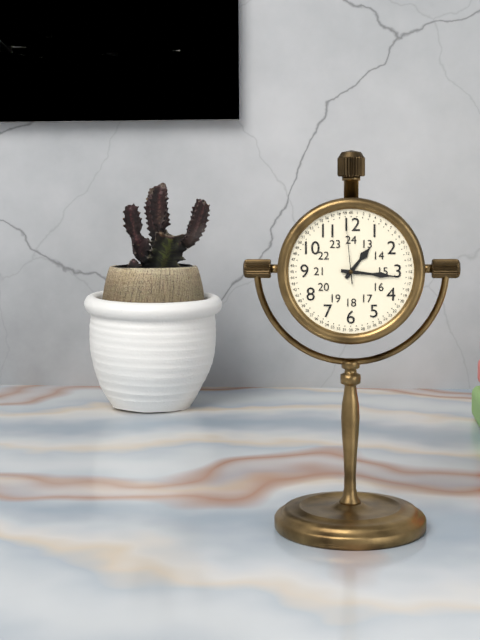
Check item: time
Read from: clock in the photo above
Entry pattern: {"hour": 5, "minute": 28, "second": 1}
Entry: {"hour": 1, "minute": 16, "second": 59}
